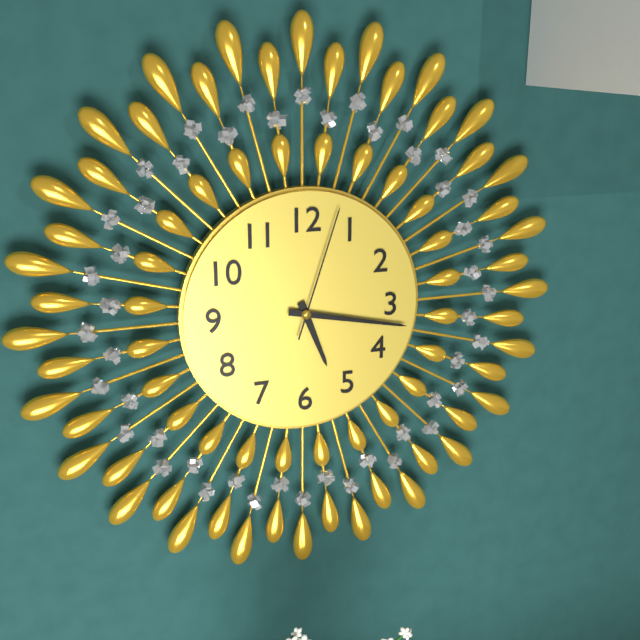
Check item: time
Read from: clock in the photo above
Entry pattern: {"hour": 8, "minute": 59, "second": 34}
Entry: {"hour": 5, "minute": 17, "second": 3}
